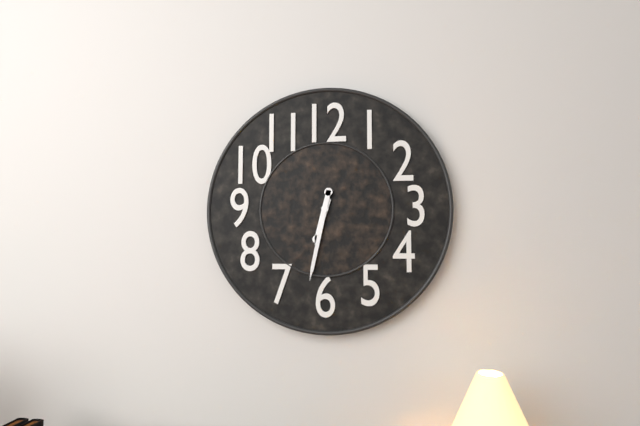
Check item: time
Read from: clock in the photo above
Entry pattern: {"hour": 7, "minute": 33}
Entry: {"hour": 6, "minute": 32}
